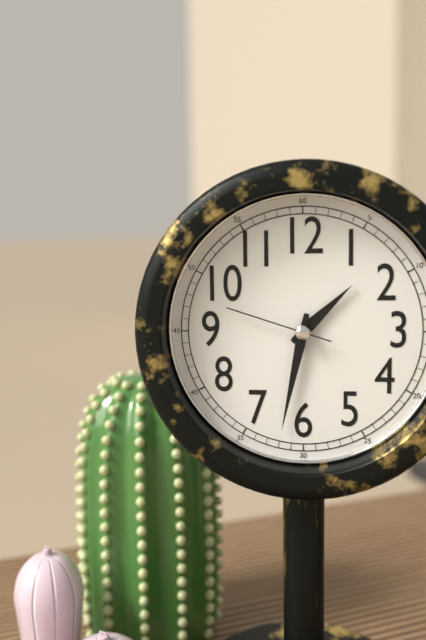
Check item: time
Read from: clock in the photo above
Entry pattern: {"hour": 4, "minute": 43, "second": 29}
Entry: {"hour": 1, "minute": 32, "second": 48}
